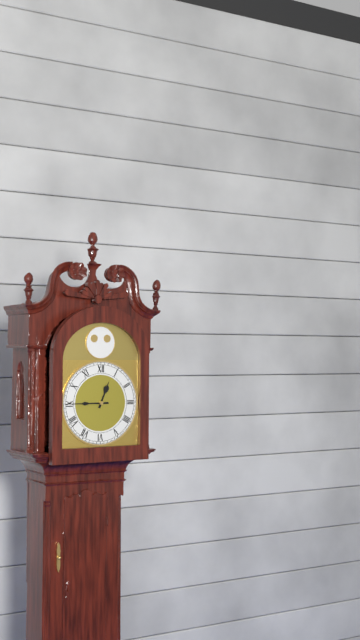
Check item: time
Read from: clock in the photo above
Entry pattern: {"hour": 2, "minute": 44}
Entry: {"hour": 12, "minute": 45}
